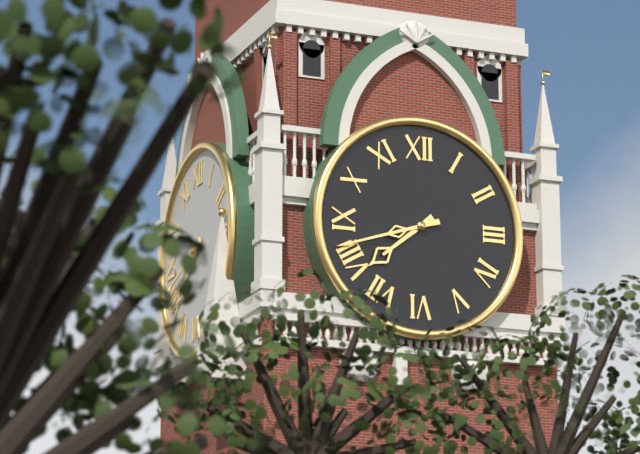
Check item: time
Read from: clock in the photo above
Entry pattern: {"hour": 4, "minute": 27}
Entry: {"hour": 7, "minute": 42}
